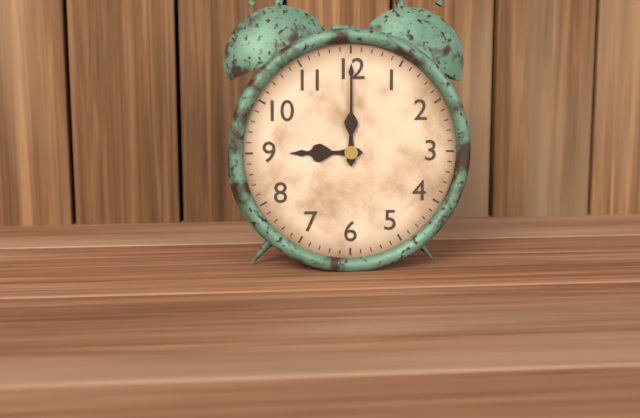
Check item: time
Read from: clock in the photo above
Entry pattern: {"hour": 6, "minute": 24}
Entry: {"hour": 9, "minute": 0}
